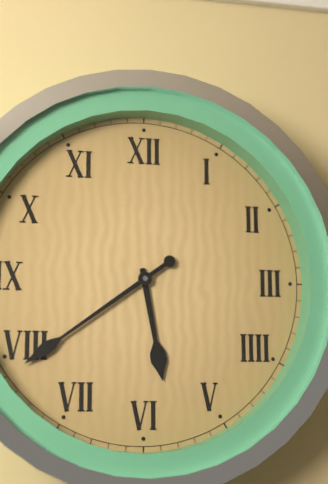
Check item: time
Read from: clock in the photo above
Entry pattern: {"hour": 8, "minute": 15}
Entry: {"hour": 5, "minute": 39}
